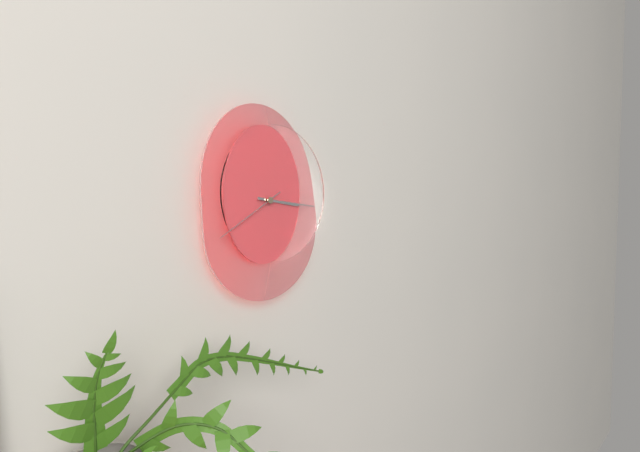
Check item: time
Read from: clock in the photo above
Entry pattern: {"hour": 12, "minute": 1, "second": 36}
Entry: {"hour": 3, "minute": 16, "second": 40}
